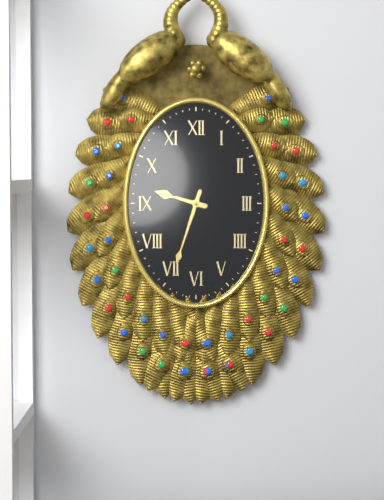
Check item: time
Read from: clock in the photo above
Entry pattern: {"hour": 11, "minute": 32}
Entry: {"hour": 9, "minute": 33}
